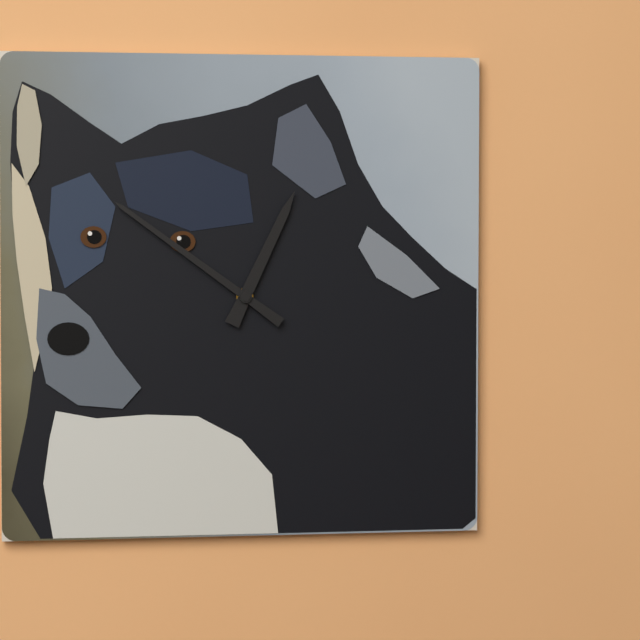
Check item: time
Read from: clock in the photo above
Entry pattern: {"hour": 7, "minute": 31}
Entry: {"hour": 12, "minute": 51}
